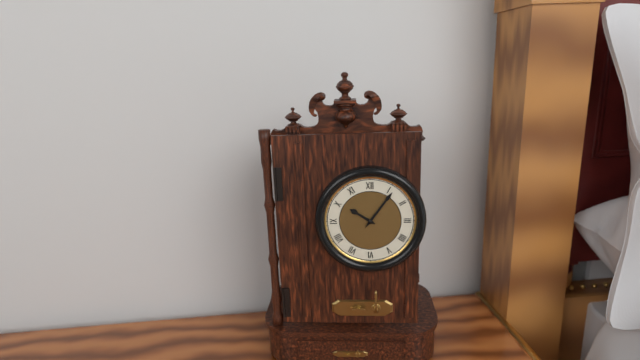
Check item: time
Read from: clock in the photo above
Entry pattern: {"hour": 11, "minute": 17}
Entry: {"hour": 10, "minute": 6}
